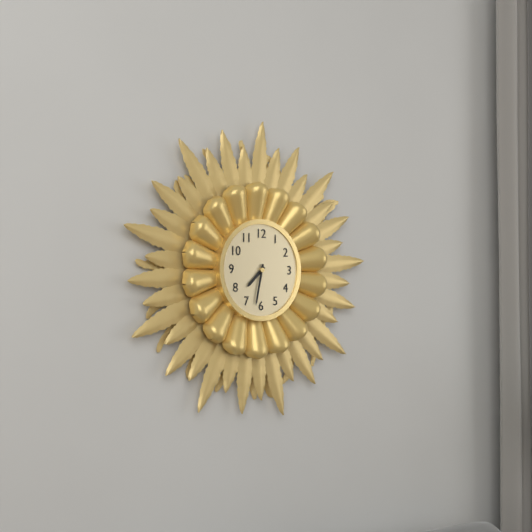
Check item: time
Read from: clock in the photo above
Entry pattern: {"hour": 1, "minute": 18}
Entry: {"hour": 7, "minute": 32}
